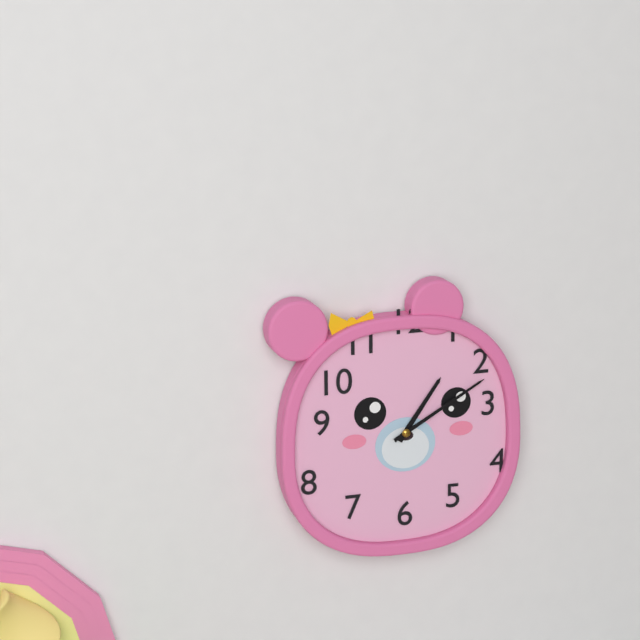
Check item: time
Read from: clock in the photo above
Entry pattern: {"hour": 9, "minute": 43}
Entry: {"hour": 1, "minute": 10}
